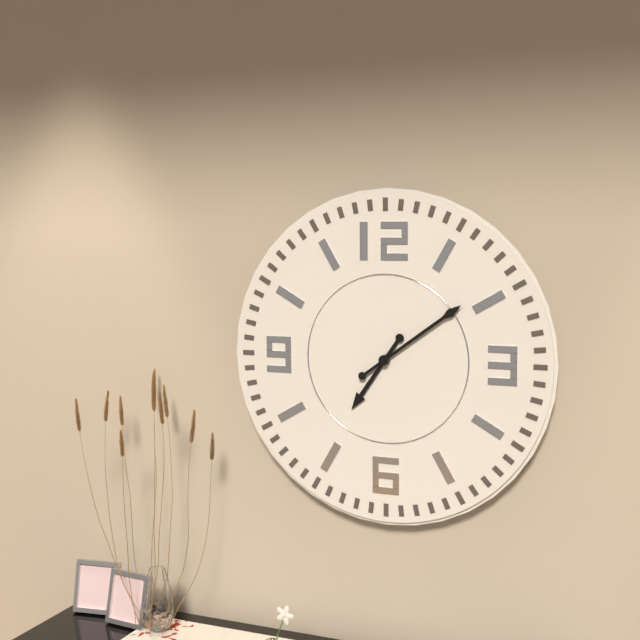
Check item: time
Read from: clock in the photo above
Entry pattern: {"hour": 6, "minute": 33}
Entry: {"hour": 7, "minute": 9}
